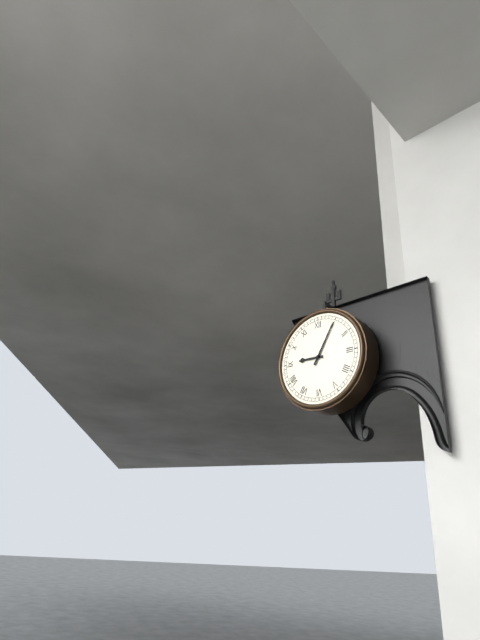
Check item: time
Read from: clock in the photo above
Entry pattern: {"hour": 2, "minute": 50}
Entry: {"hour": 9, "minute": 5}
